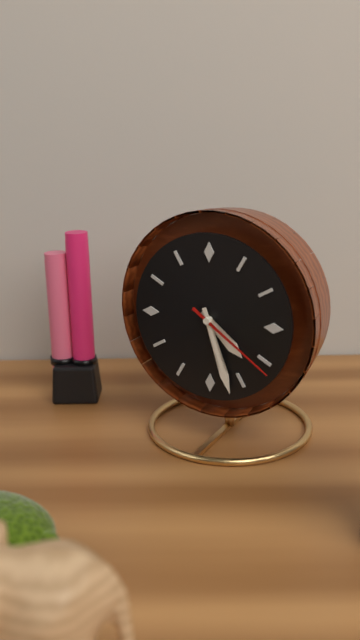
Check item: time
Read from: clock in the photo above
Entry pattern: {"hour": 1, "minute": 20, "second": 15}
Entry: {"hour": 4, "minute": 27, "second": 21}
